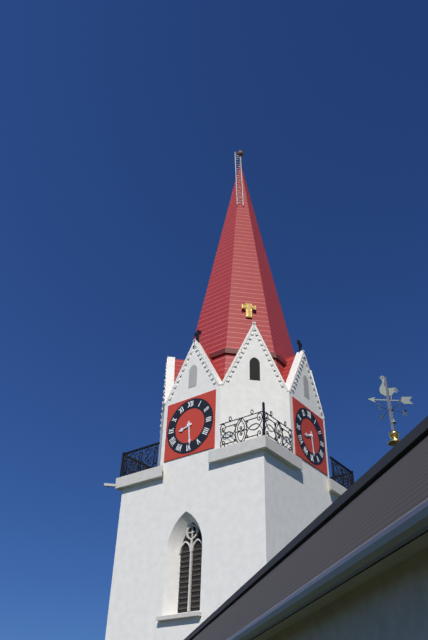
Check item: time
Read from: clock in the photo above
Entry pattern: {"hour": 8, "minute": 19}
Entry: {"hour": 8, "minute": 29}
